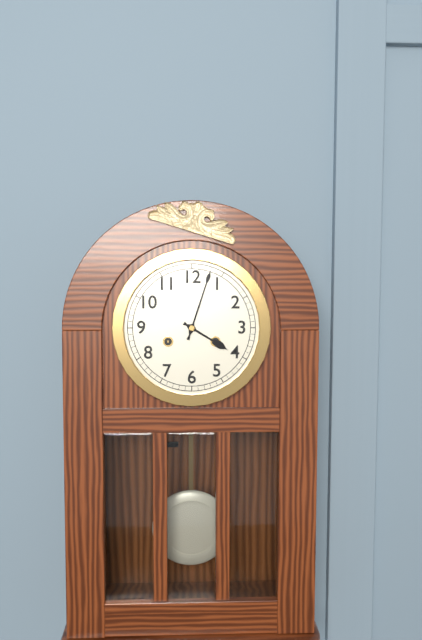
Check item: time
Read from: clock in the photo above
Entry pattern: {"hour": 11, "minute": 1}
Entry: {"hour": 4, "minute": 3}
